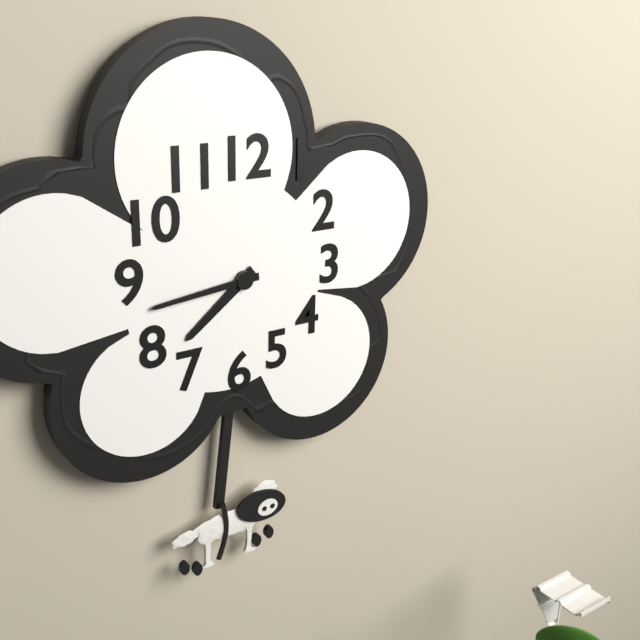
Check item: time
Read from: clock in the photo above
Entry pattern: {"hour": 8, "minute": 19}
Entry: {"hour": 7, "minute": 44}
